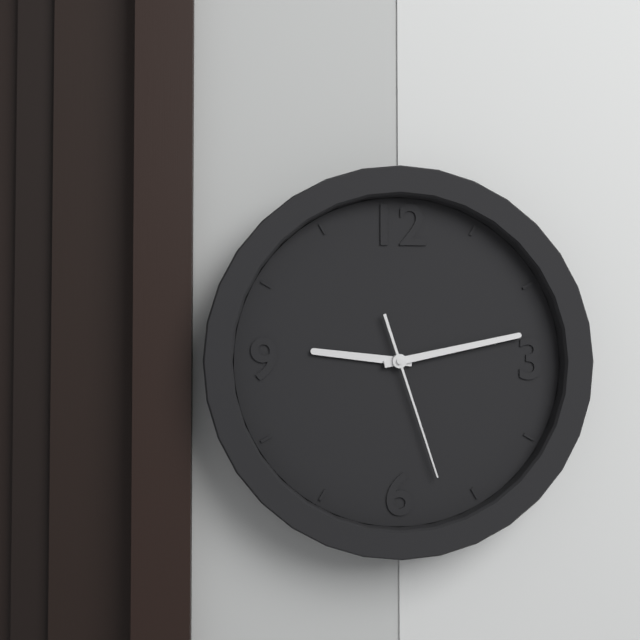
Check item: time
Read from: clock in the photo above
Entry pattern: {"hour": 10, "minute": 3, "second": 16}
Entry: {"hour": 9, "minute": 13, "second": 27}
